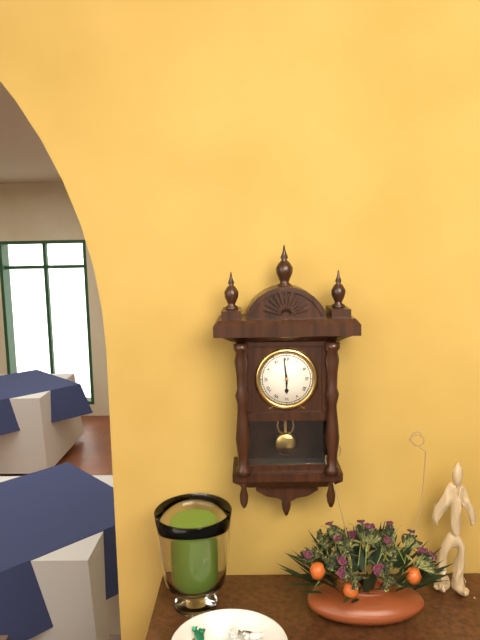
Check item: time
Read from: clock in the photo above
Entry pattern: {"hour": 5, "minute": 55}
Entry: {"hour": 5, "minute": 59}
